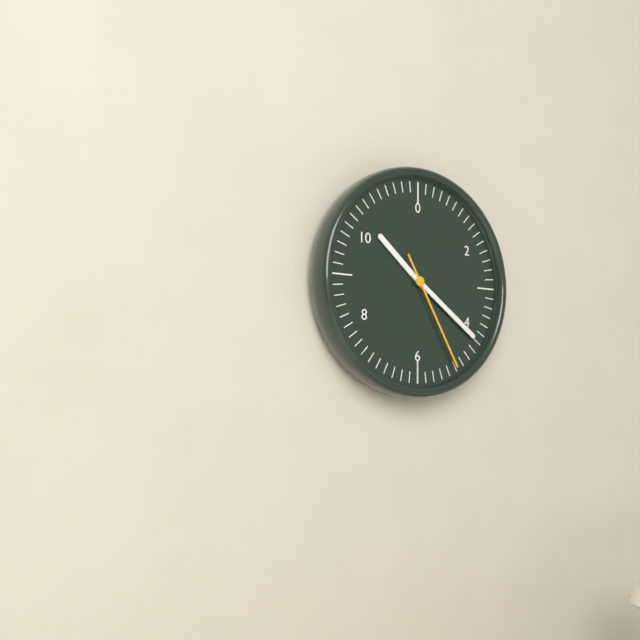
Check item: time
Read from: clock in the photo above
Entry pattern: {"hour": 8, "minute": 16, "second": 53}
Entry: {"hour": 10, "minute": 21, "second": 25}
